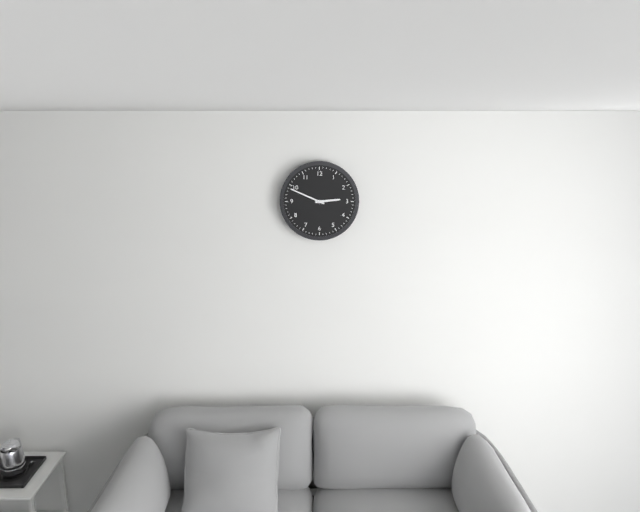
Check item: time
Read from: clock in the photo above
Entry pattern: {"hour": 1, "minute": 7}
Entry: {"hour": 2, "minute": 49}
